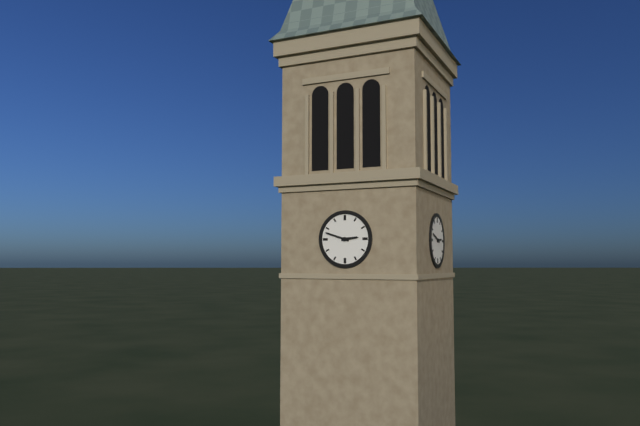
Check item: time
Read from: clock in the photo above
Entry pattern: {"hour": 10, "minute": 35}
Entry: {"hour": 2, "minute": 48}
